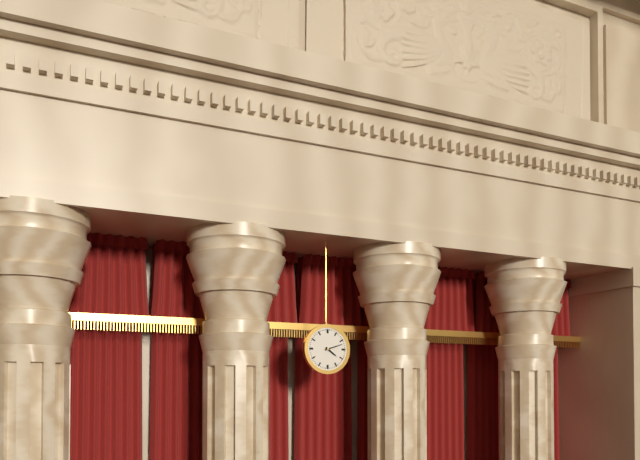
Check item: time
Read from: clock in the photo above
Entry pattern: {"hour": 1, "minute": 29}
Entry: {"hour": 4, "minute": 12}
